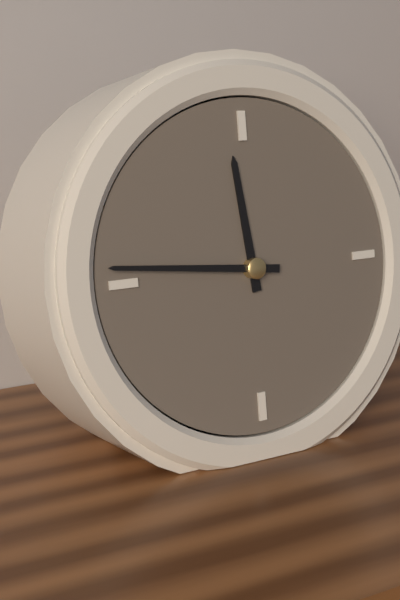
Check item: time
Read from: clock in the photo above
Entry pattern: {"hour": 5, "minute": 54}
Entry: {"hour": 11, "minute": 46}
